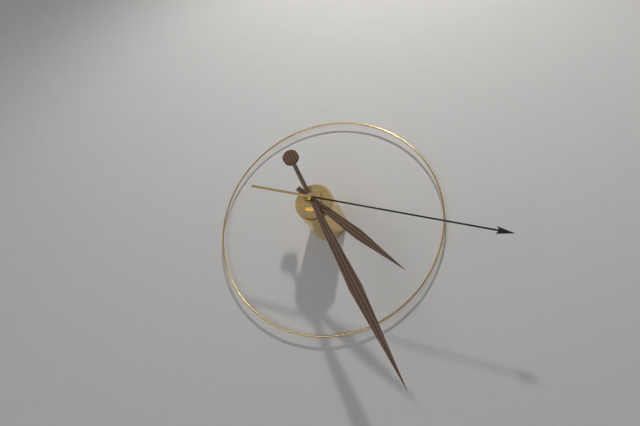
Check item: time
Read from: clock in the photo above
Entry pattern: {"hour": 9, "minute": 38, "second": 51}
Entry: {"hour": 4, "minute": 26, "second": 18}
